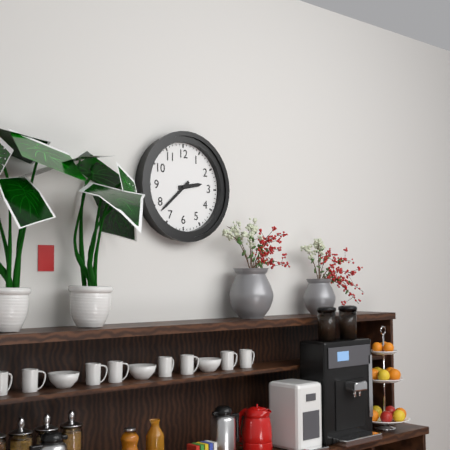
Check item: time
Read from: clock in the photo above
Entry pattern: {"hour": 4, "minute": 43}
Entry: {"hour": 2, "minute": 38}
